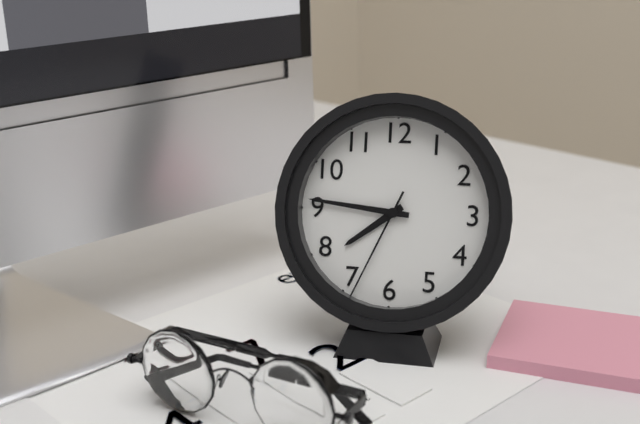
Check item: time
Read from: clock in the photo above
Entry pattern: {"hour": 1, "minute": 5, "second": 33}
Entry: {"hour": 7, "minute": 46, "second": 34}
